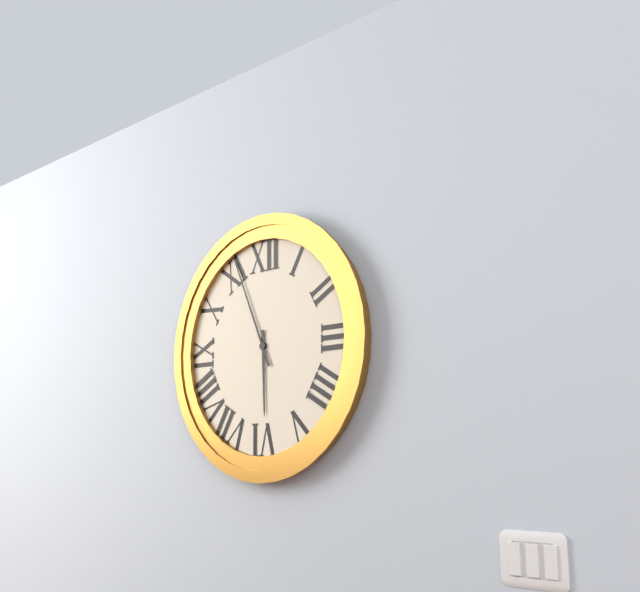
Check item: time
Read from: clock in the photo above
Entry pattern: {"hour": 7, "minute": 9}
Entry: {"hour": 5, "minute": 56}
